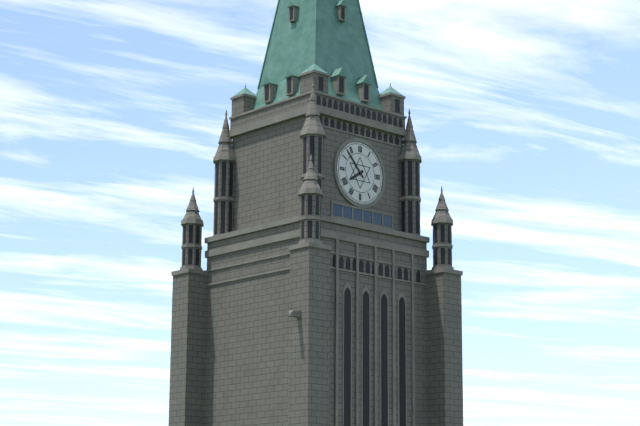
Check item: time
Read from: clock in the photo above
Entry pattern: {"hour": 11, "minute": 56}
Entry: {"hour": 7, "minute": 53}
